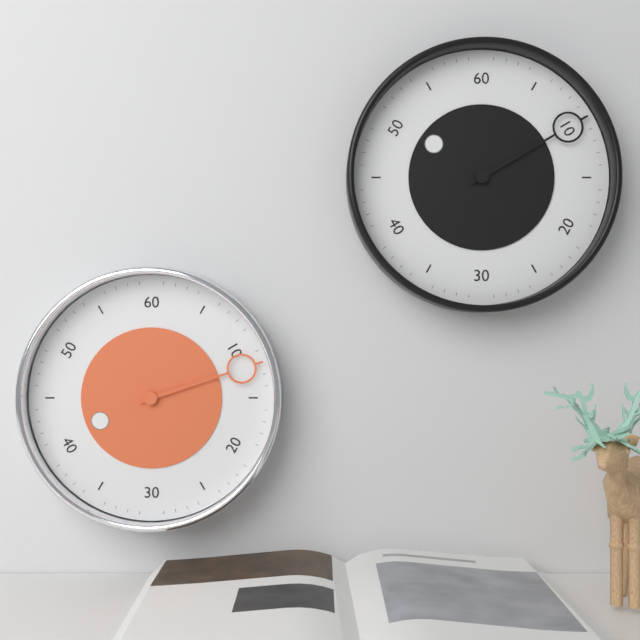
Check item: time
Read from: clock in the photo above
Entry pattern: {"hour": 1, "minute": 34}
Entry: {"hour": 8, "minute": 12}
